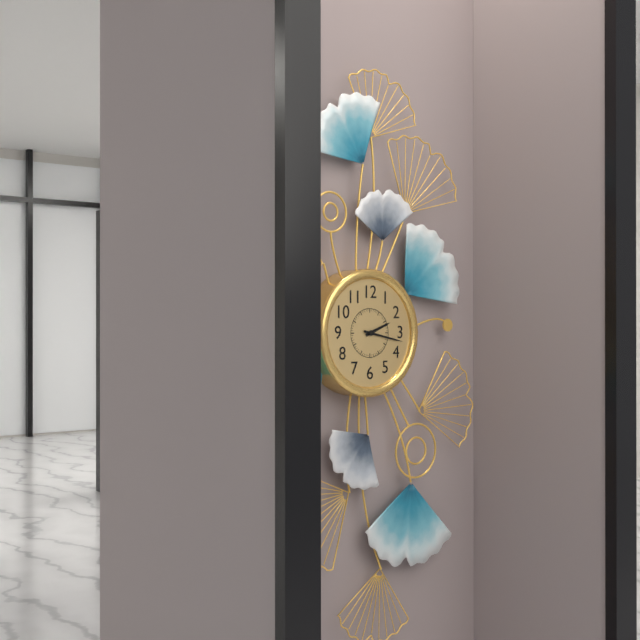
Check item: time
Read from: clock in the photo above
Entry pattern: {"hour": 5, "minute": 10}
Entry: {"hour": 2, "minute": 17}
